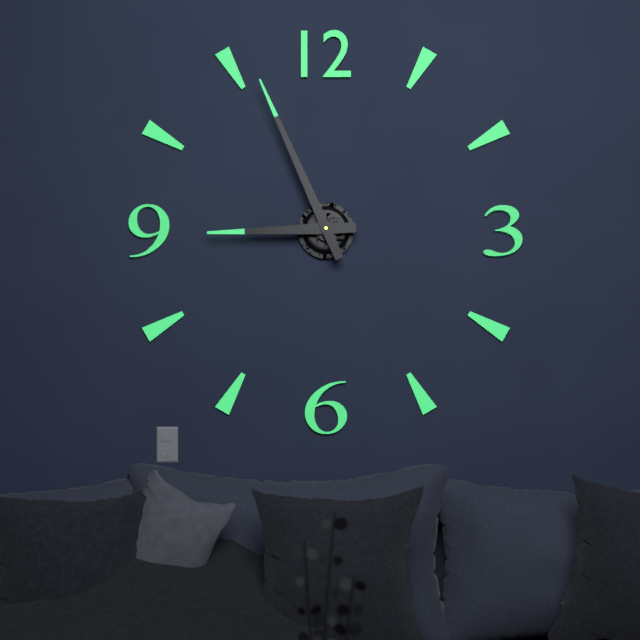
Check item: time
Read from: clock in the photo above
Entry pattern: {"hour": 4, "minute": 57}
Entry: {"hour": 8, "minute": 56}
